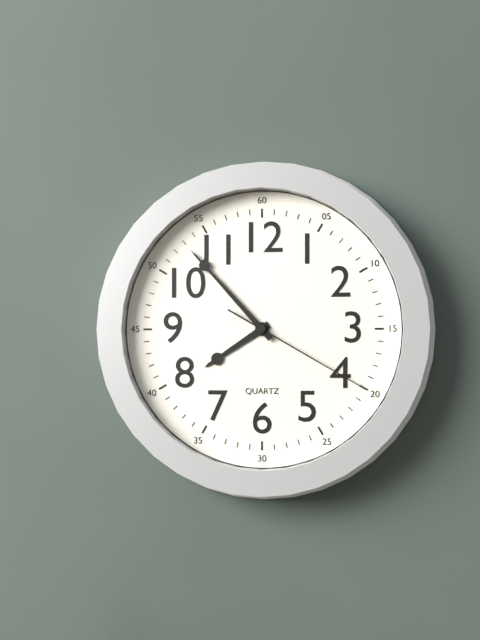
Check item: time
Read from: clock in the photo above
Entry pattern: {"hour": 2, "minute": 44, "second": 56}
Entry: {"hour": 7, "minute": 53, "second": 20}
